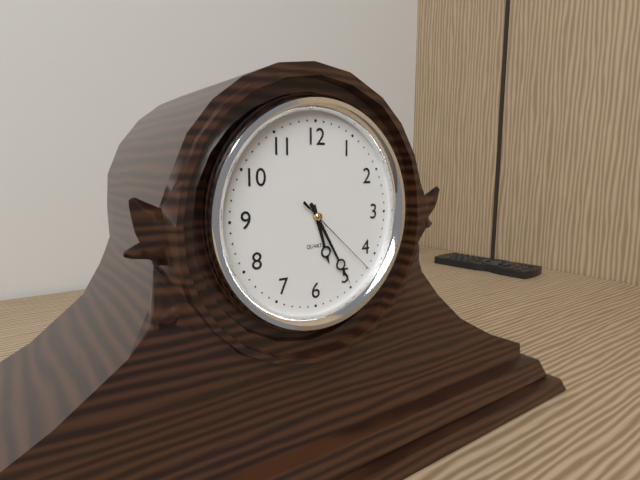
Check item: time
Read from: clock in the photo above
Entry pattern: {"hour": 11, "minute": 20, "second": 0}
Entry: {"hour": 5, "minute": 25, "second": 22}
